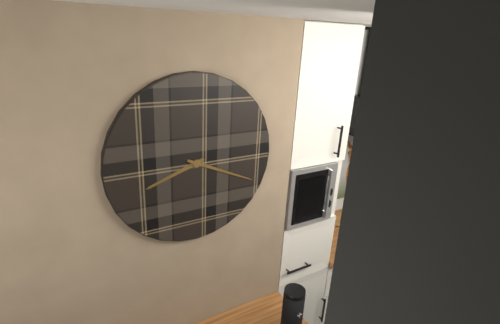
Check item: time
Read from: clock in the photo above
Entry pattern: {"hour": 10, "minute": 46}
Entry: {"hour": 8, "minute": 19}
